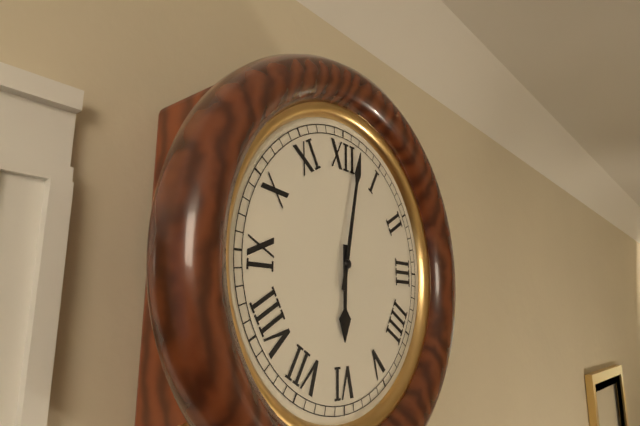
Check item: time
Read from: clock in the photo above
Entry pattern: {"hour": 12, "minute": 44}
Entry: {"hour": 6, "minute": 2}
